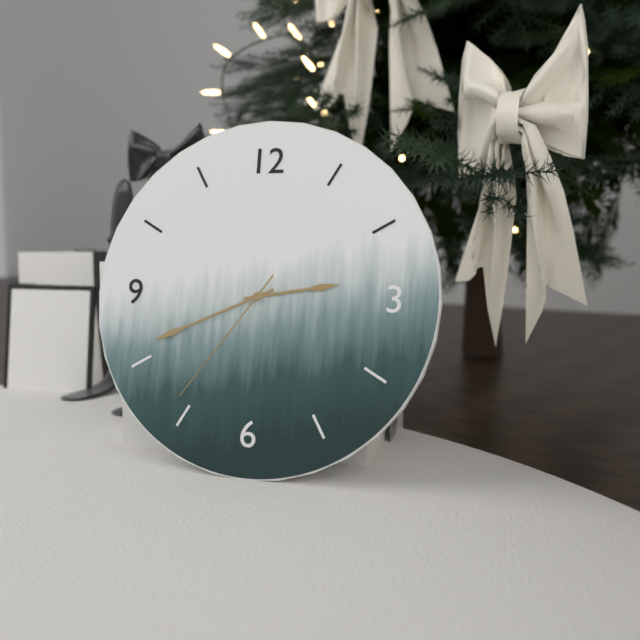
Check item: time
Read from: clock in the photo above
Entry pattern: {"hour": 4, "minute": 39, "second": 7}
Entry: {"hour": 2, "minute": 41, "second": 36}
